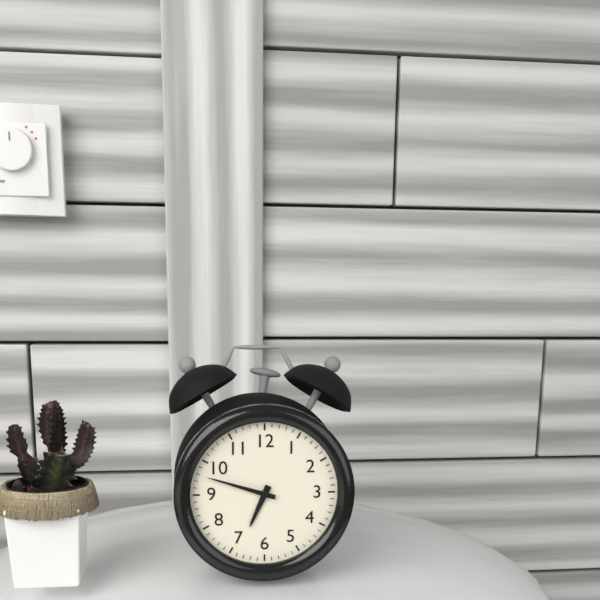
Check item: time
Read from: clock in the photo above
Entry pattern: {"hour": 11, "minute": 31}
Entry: {"hour": 6, "minute": 48}
